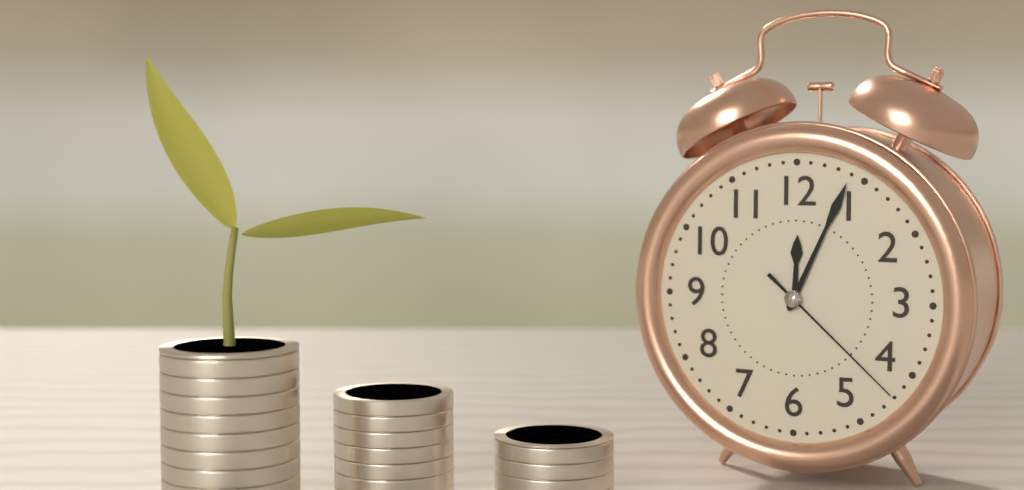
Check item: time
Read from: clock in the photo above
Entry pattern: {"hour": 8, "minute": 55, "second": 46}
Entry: {"hour": 12, "minute": 4, "second": 22}
